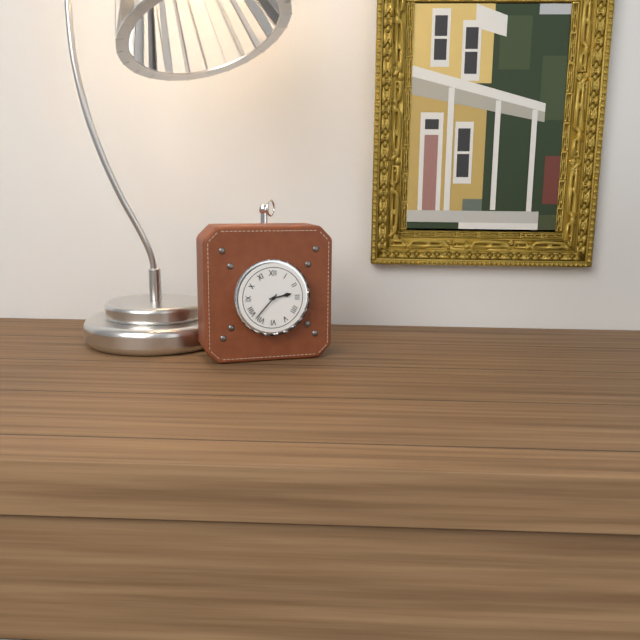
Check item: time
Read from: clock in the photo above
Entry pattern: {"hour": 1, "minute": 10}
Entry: {"hour": 2, "minute": 37}
